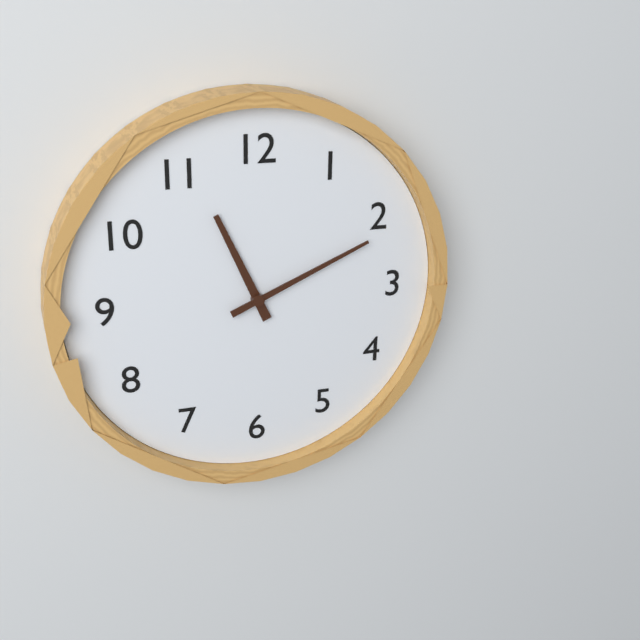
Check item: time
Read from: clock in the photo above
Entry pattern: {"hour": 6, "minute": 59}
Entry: {"hour": 11, "minute": 11}
